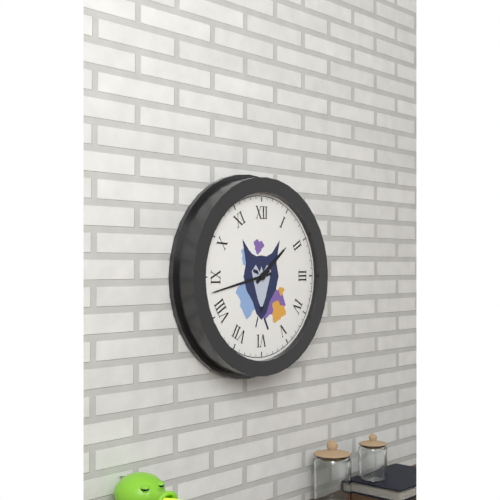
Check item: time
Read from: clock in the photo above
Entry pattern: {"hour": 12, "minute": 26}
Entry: {"hour": 1, "minute": 43}
